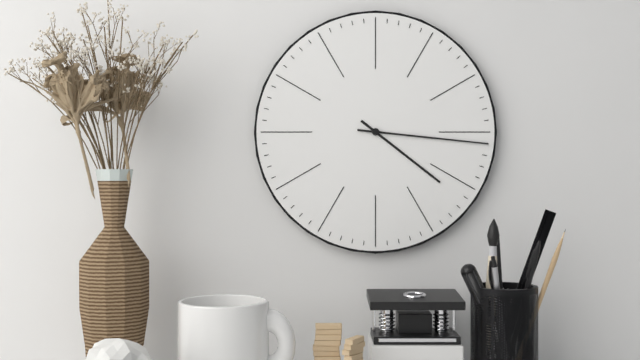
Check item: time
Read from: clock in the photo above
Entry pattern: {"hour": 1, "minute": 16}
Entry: {"hour": 4, "minute": 16}
